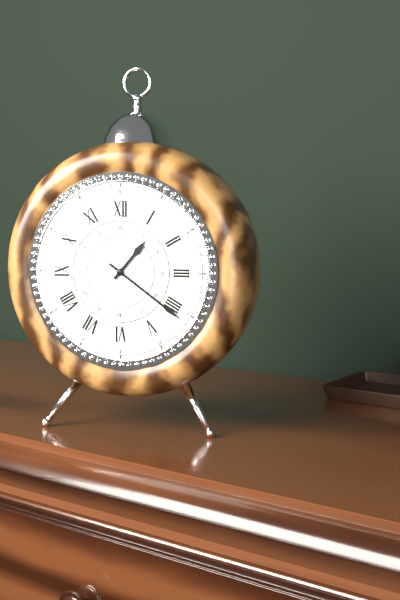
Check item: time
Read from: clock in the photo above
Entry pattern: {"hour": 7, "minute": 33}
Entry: {"hour": 1, "minute": 21}
